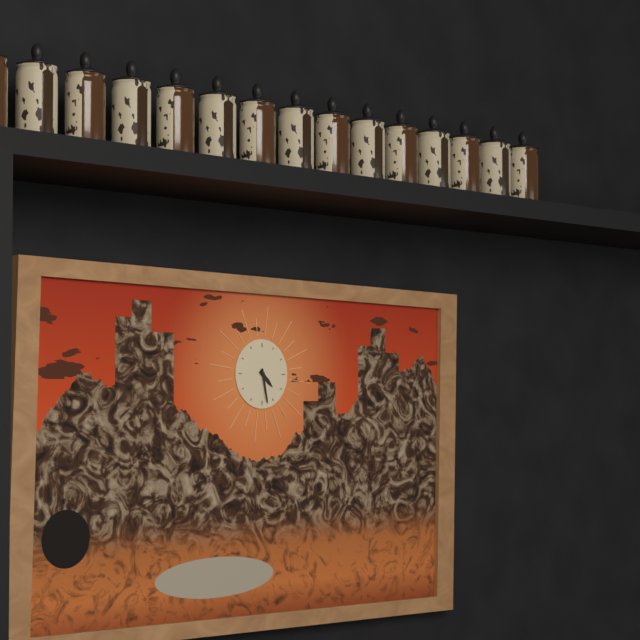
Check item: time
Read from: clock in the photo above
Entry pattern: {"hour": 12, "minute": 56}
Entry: {"hour": 4, "minute": 28}
